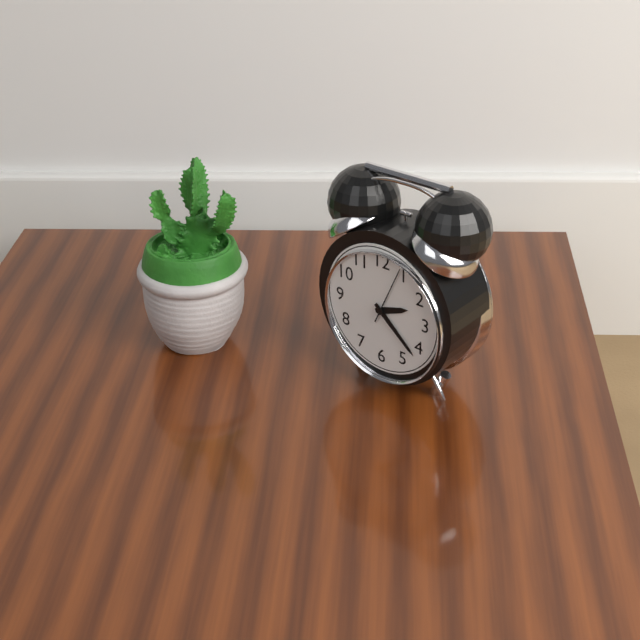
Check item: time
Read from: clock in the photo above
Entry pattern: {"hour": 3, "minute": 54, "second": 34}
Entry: {"hour": 2, "minute": 22, "second": 4}
